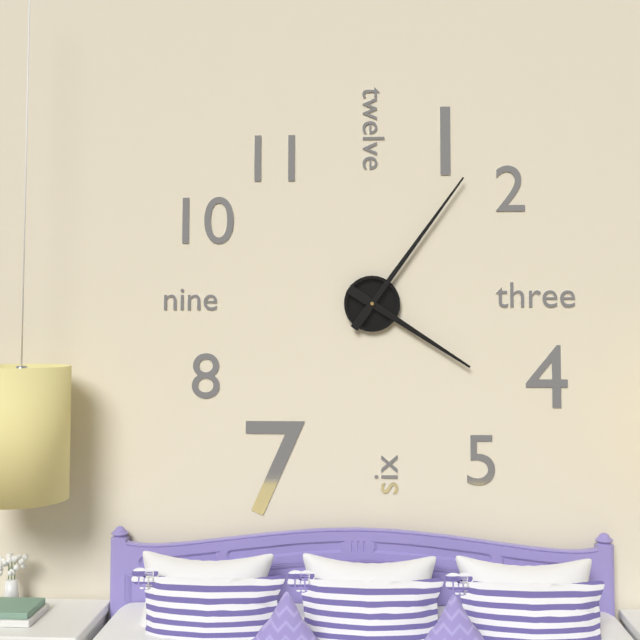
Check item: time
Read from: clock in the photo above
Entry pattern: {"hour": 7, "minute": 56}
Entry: {"hour": 4, "minute": 6}
